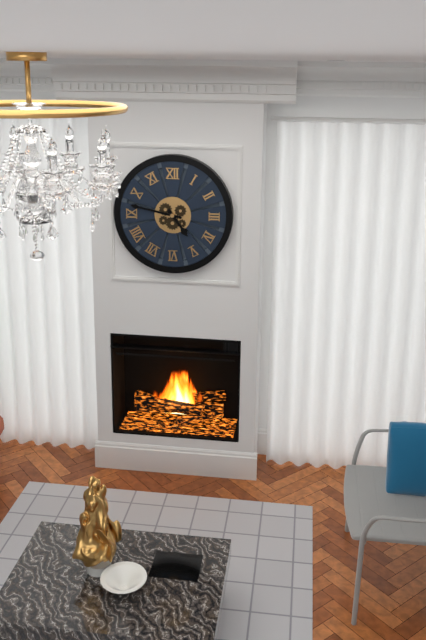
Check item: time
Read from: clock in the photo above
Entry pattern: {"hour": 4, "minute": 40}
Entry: {"hour": 4, "minute": 47}
